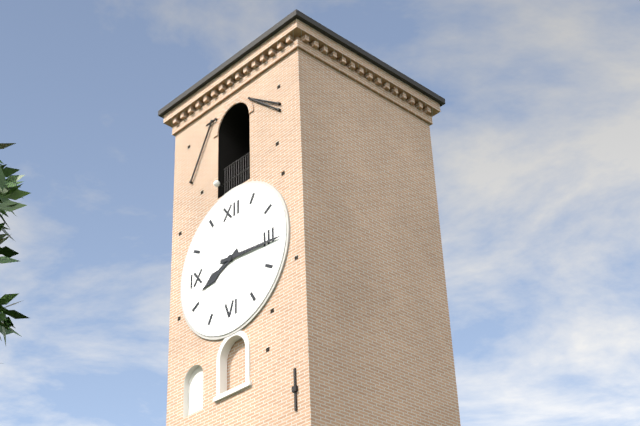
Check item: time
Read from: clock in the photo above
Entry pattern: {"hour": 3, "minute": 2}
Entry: {"hour": 8, "minute": 16}
